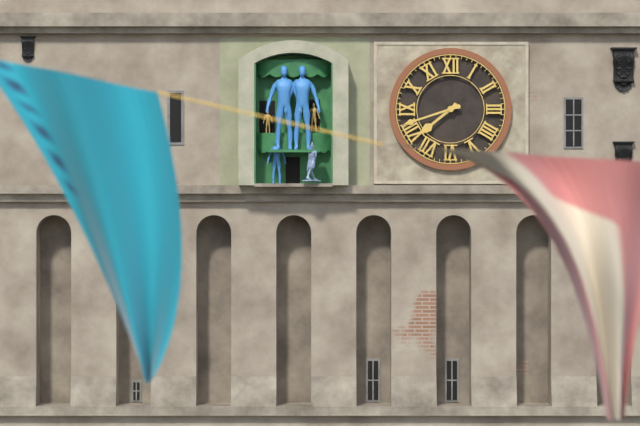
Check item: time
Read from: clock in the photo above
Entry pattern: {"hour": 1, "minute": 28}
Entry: {"hour": 7, "minute": 42}
